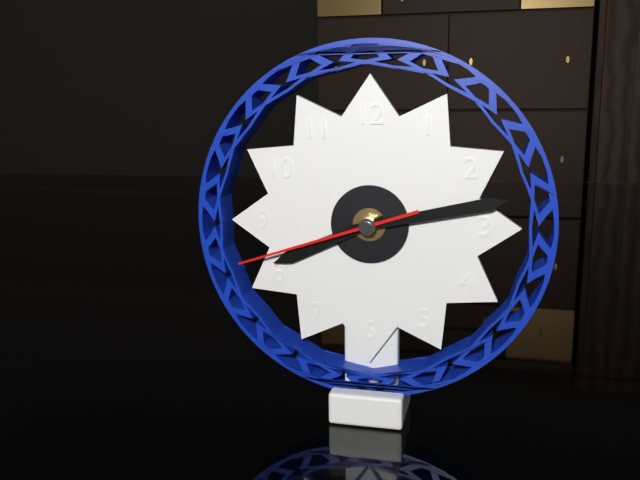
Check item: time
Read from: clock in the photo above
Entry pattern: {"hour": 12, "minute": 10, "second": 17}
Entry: {"hour": 8, "minute": 13, "second": 42}
